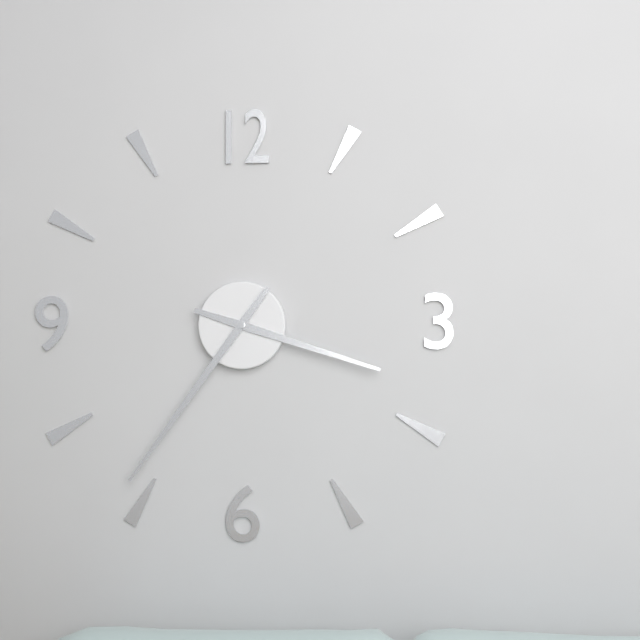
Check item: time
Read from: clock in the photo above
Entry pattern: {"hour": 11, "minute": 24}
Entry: {"hour": 3, "minute": 36}
